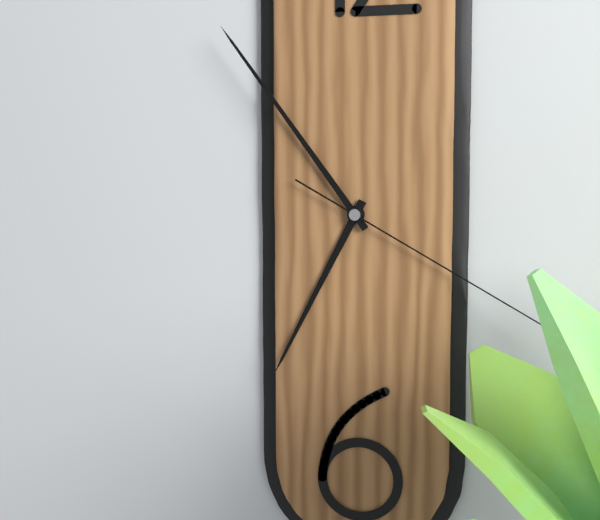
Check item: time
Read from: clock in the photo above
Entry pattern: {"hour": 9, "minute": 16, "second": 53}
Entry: {"hour": 6, "minute": 54, "second": 20}
